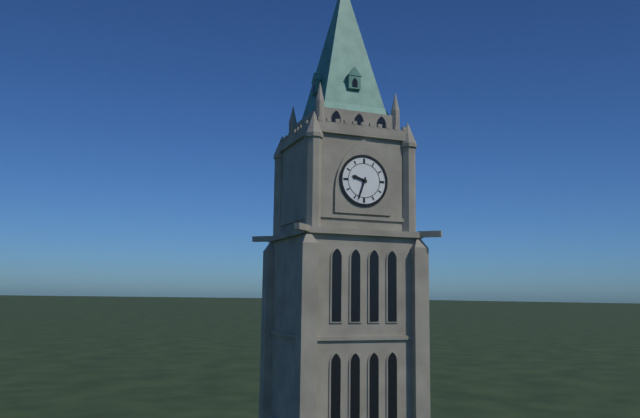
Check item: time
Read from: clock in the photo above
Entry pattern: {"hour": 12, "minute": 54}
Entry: {"hour": 9, "minute": 33}
